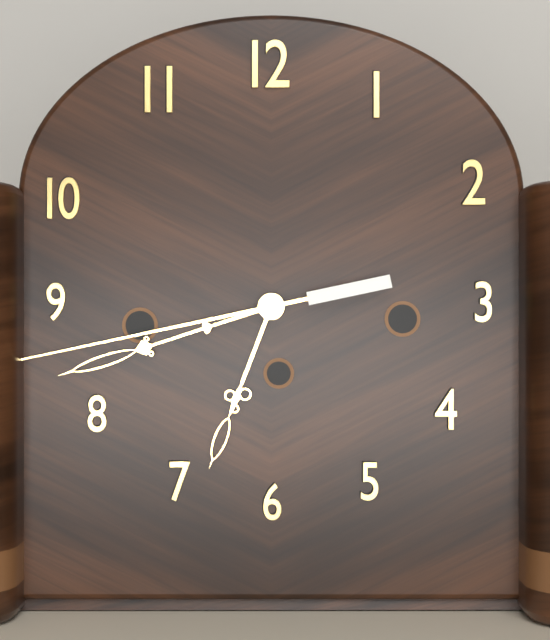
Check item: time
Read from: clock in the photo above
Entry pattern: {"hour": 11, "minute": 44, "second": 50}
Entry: {"hour": 6, "minute": 42, "second": 43}
